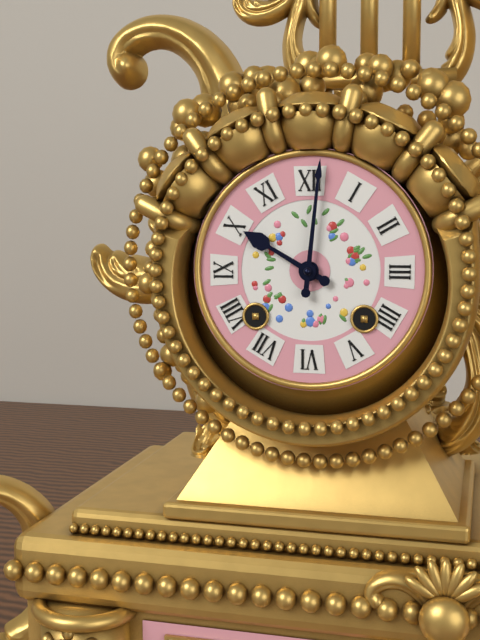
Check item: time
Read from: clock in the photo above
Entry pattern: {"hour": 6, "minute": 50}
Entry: {"hour": 10, "minute": 1}
